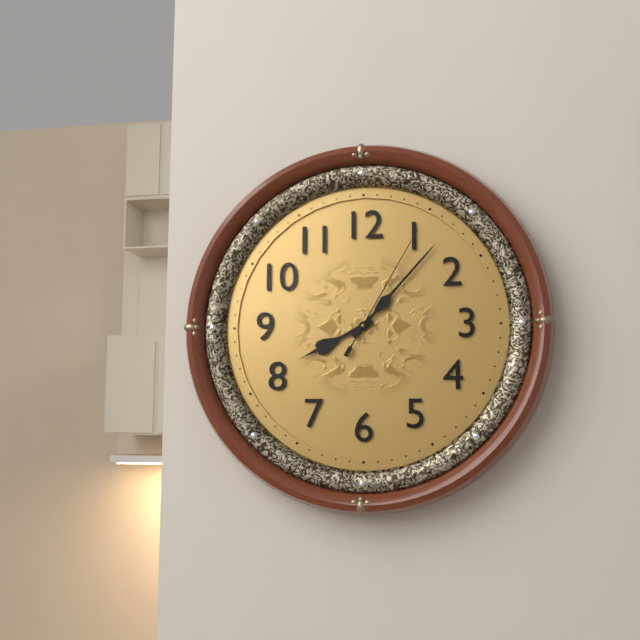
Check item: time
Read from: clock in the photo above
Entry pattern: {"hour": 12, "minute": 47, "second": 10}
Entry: {"hour": 8, "minute": 7, "second": 5}
